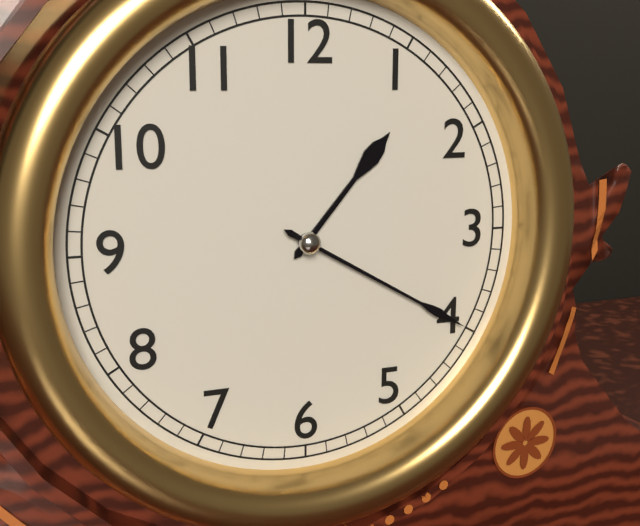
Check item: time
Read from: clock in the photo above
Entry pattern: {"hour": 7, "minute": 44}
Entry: {"hour": 1, "minute": 20}
